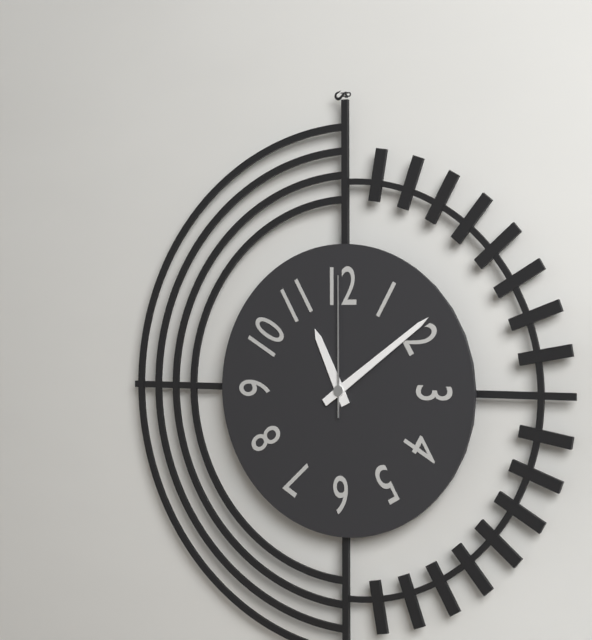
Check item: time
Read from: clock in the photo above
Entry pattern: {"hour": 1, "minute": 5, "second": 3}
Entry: {"hour": 11, "minute": 9, "second": 0}
